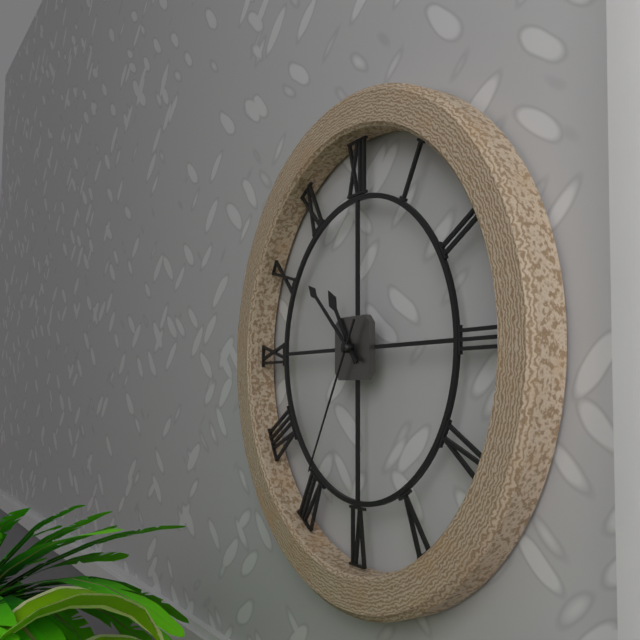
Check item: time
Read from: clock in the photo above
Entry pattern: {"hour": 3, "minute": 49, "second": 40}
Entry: {"hour": 10, "minute": 52, "second": 35}
